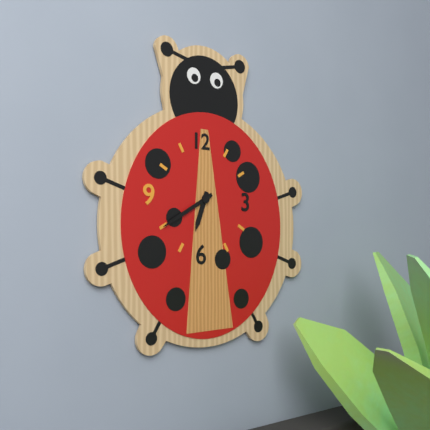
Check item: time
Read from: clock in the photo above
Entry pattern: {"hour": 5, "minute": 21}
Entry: {"hour": 6, "minute": 40}
